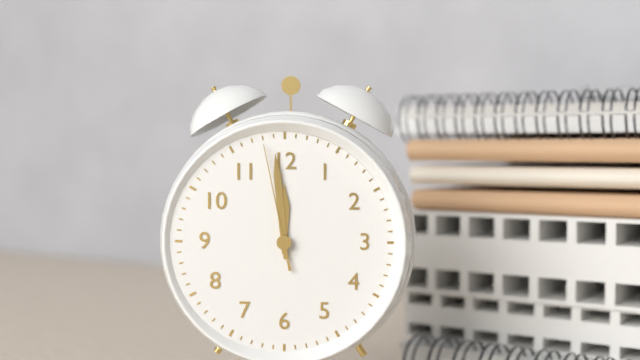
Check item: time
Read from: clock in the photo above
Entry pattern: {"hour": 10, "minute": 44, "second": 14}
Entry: {"hour": 11, "minute": 59, "second": 58}
